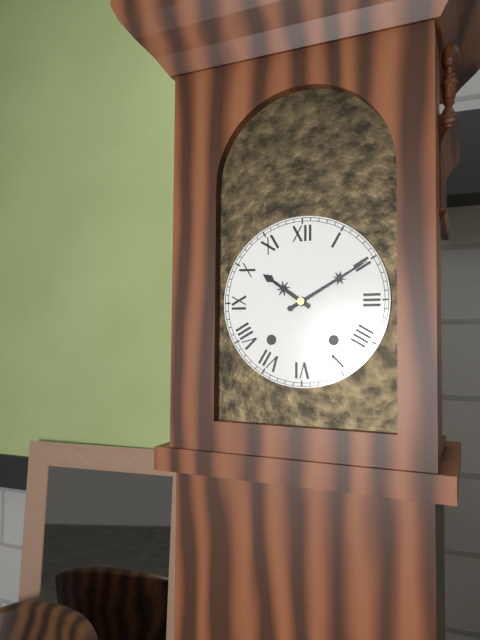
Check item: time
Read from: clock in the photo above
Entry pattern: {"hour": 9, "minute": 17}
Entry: {"hour": 10, "minute": 10}
